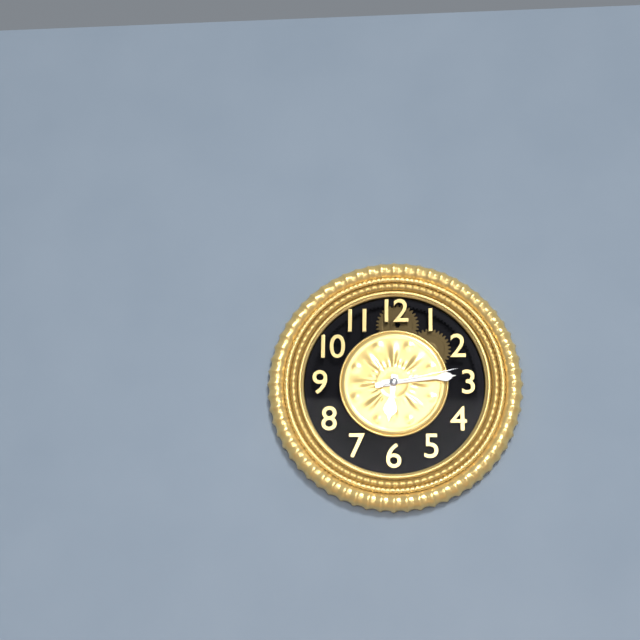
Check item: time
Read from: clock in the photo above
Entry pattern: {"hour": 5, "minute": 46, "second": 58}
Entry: {"hour": 6, "minute": 14, "second": 13}
